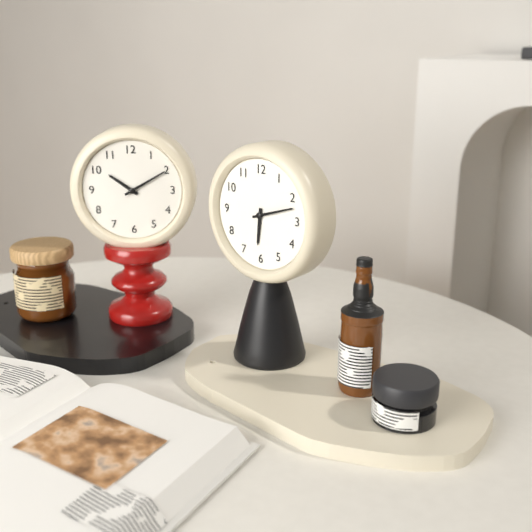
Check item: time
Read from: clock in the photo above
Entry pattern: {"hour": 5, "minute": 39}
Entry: {"hour": 6, "minute": 12}
